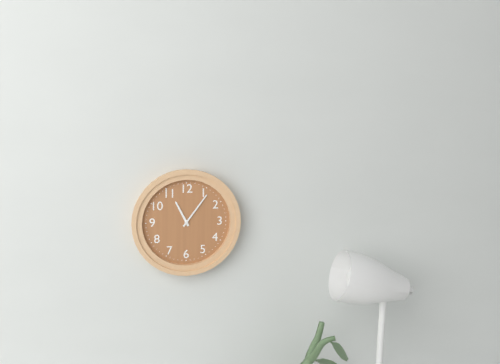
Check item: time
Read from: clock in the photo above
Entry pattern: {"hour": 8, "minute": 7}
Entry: {"hour": 11, "minute": 6}
